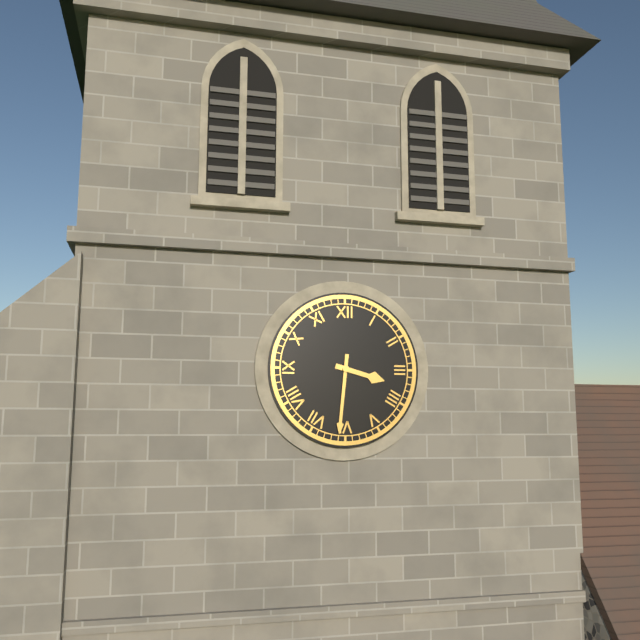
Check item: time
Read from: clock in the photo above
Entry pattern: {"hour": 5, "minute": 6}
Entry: {"hour": 3, "minute": 31}
